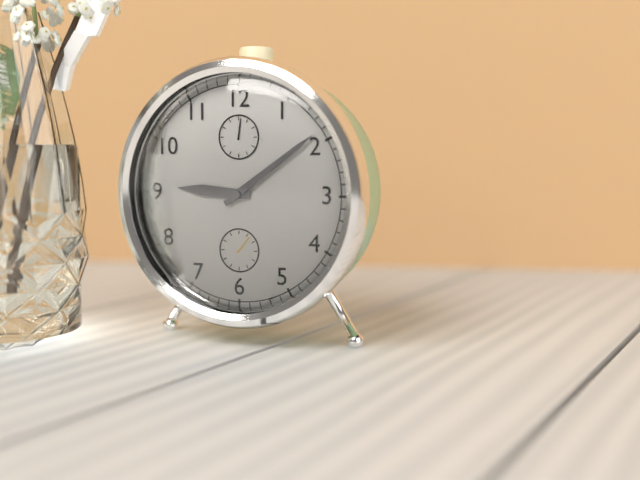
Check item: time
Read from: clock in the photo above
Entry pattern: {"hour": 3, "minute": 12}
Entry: {"hour": 9, "minute": 9}
